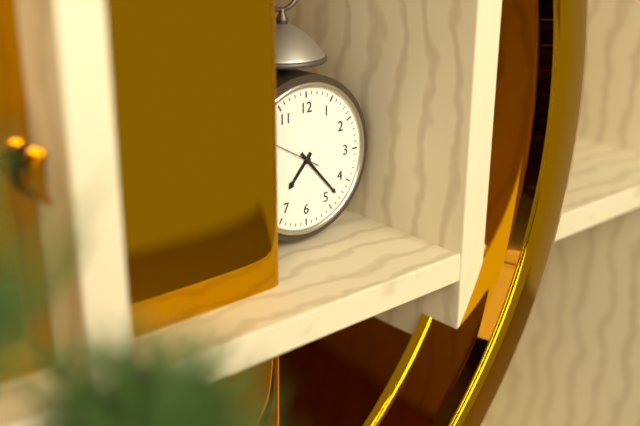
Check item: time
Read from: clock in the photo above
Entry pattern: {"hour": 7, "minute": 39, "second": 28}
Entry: {"hour": 7, "minute": 23, "second": 50}
